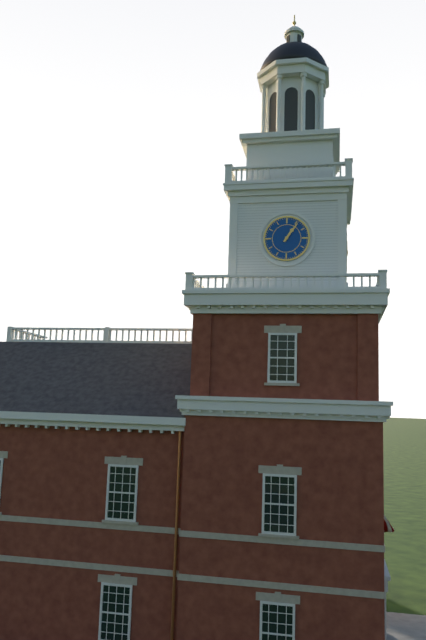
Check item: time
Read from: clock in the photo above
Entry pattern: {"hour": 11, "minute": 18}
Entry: {"hour": 1, "minute": 6}
